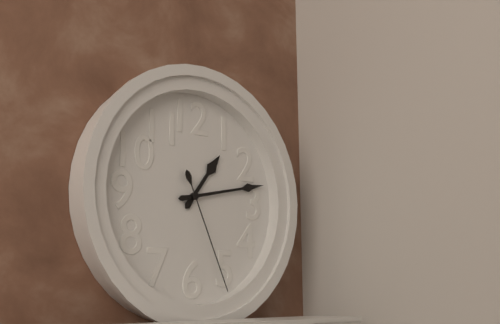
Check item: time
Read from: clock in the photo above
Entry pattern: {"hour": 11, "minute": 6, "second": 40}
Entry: {"hour": 1, "minute": 13, "second": 26}
